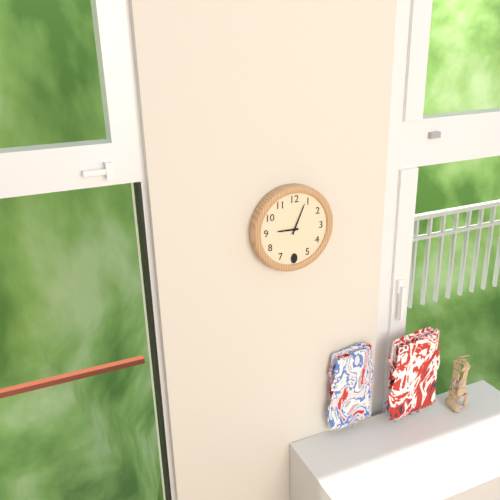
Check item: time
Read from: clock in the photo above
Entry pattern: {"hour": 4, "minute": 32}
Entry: {"hour": 9, "minute": 4}
